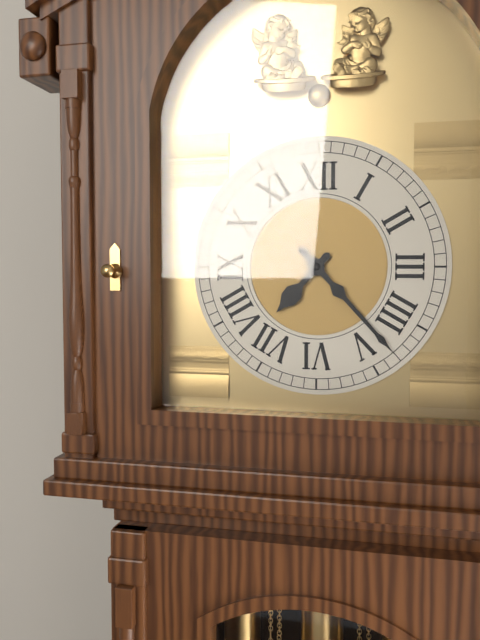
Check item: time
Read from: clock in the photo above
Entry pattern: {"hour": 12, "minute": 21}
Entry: {"hour": 7, "minute": 23}
